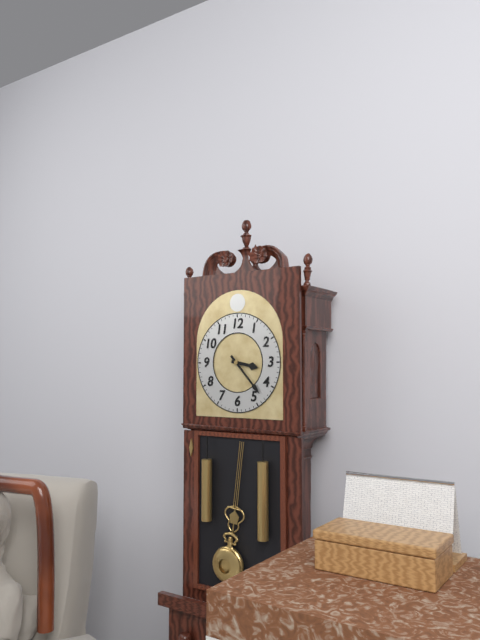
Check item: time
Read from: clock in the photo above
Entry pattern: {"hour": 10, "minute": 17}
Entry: {"hour": 3, "minute": 23}
